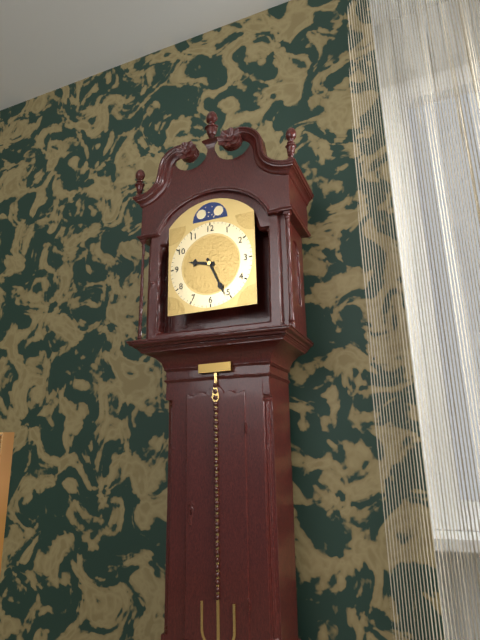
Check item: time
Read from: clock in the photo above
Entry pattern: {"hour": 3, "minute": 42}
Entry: {"hour": 9, "minute": 26}
